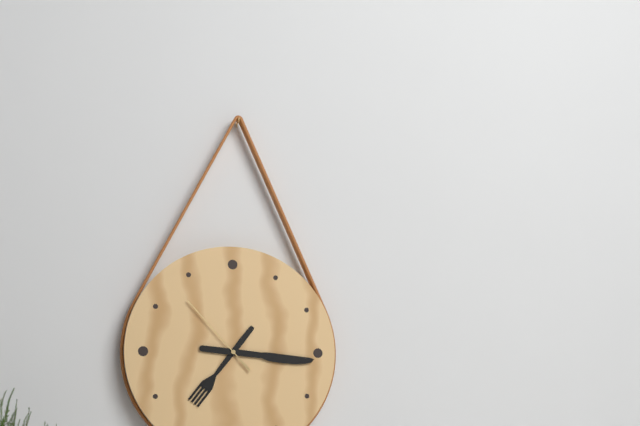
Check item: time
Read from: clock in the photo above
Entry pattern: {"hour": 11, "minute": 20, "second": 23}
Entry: {"hour": 7, "minute": 16, "second": 53}
